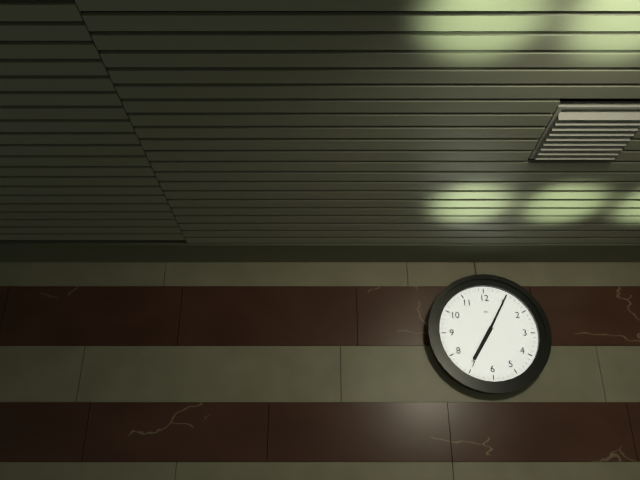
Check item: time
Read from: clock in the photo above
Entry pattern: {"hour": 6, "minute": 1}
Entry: {"hour": 7, "minute": 5}
